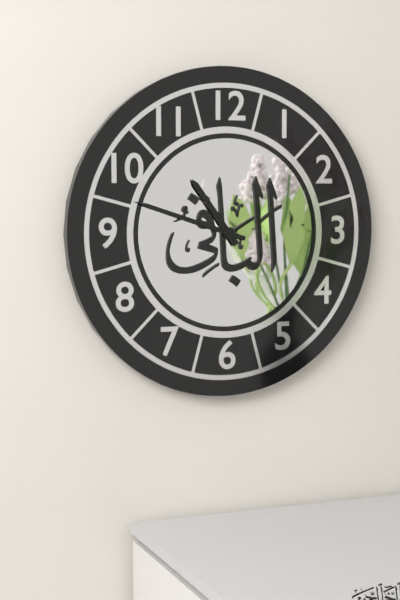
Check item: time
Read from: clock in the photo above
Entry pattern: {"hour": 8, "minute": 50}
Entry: {"hour": 10, "minute": 48}
